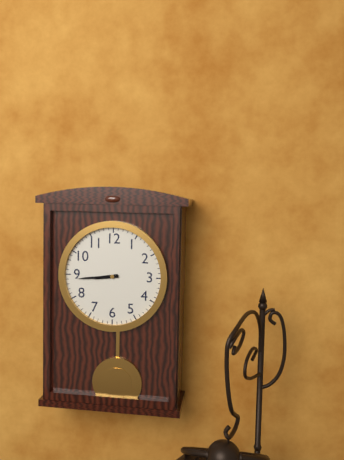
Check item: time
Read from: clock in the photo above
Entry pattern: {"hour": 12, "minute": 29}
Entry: {"hour": 8, "minute": 44}
